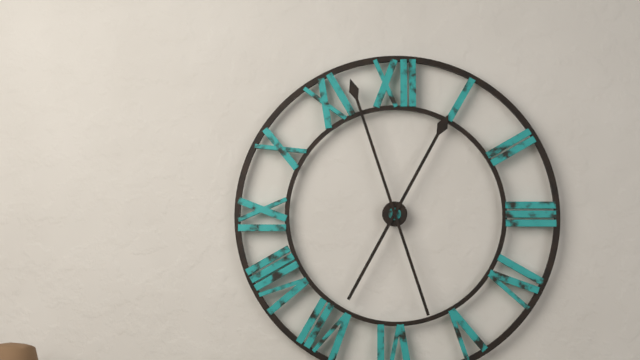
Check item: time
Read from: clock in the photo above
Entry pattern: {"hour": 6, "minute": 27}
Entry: {"hour": 12, "minute": 57}
